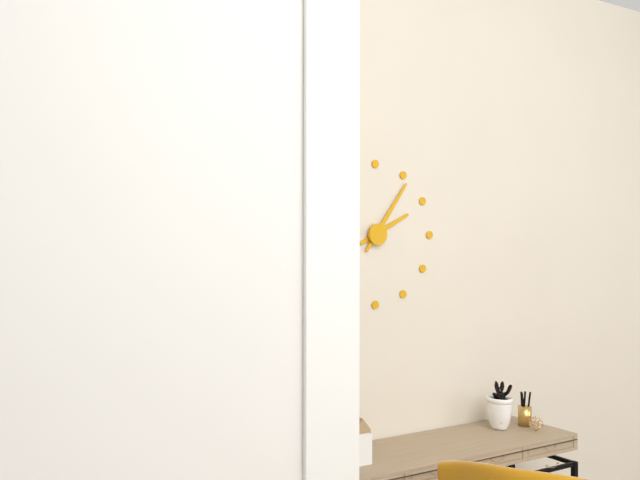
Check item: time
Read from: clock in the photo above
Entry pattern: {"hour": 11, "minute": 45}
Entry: {"hour": 2, "minute": 6}
